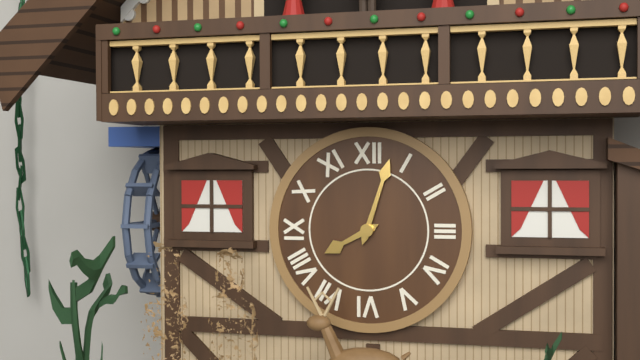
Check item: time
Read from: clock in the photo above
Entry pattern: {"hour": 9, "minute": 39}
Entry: {"hour": 8, "minute": 3}
